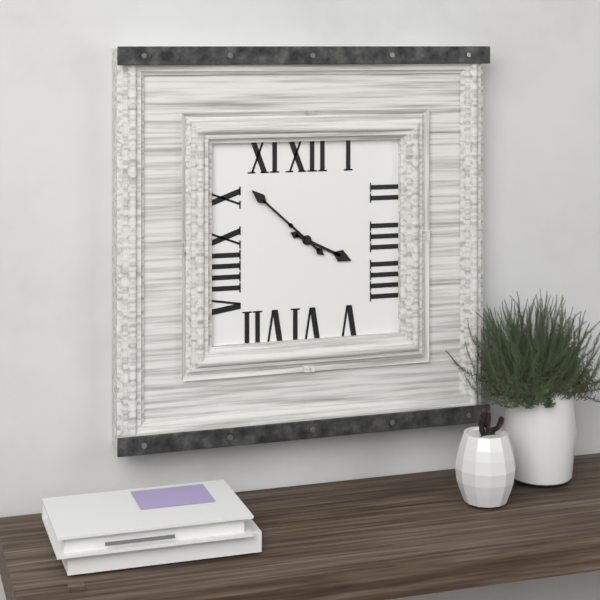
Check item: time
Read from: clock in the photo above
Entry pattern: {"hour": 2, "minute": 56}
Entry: {"hour": 3, "minute": 52}
